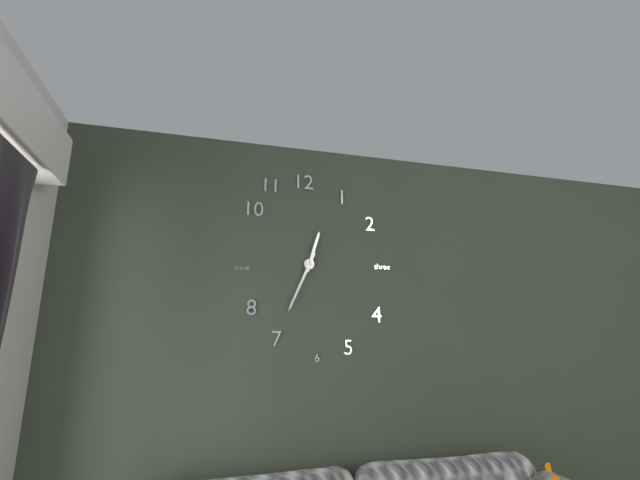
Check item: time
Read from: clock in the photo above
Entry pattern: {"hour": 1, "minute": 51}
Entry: {"hour": 12, "minute": 34}
